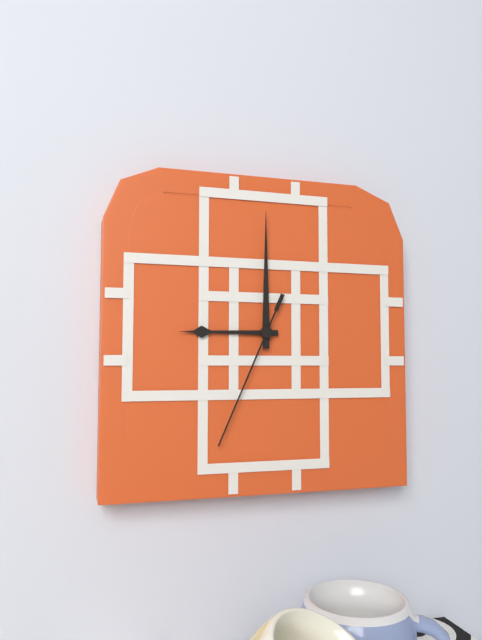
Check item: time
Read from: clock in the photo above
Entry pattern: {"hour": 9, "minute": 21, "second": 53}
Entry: {"hour": 9, "minute": 0, "second": 34}
